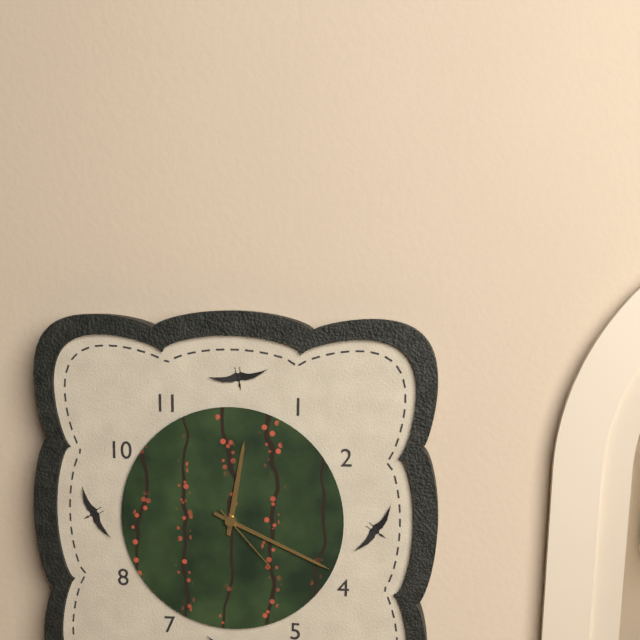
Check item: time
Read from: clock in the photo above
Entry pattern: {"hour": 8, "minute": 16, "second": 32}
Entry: {"hour": 12, "minute": 19, "second": 23}
